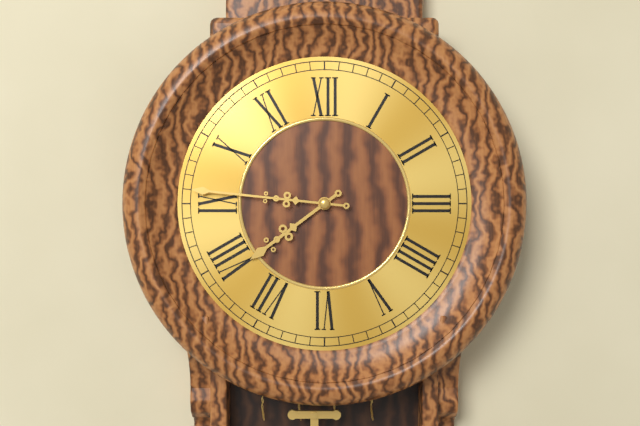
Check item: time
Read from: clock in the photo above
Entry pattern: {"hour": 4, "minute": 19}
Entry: {"hour": 7, "minute": 46}
